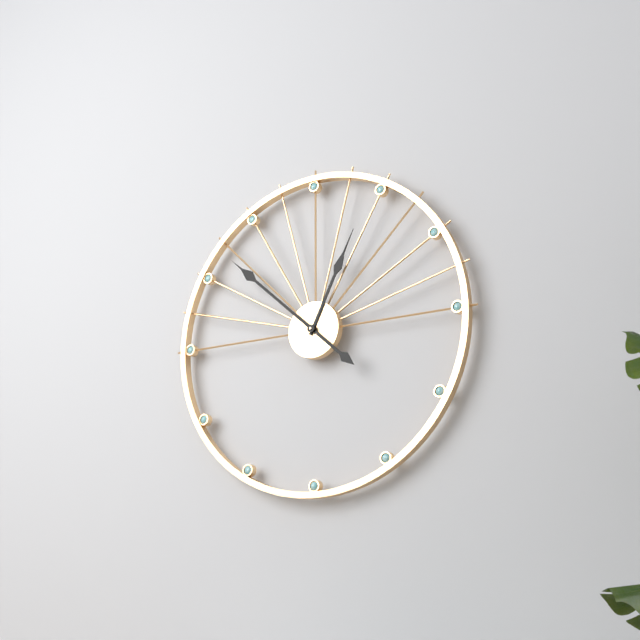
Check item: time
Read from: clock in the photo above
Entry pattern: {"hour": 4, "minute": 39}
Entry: {"hour": 12, "minute": 52}
